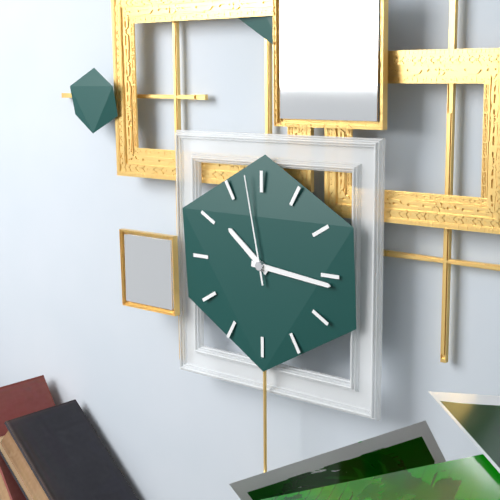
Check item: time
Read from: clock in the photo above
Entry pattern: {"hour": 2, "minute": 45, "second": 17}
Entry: {"hour": 10, "minute": 16, "second": 58}
